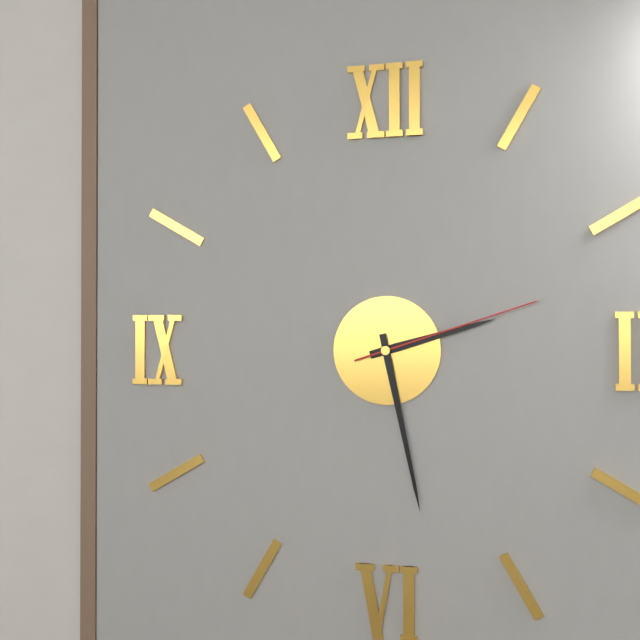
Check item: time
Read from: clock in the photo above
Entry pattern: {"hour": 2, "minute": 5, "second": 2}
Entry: {"hour": 2, "minute": 28, "second": 12}
